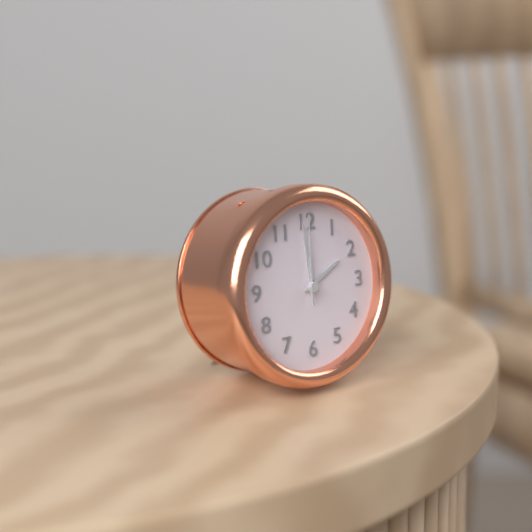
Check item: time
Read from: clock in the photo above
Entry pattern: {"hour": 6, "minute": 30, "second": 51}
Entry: {"hour": 1, "minute": 59, "second": 0}
